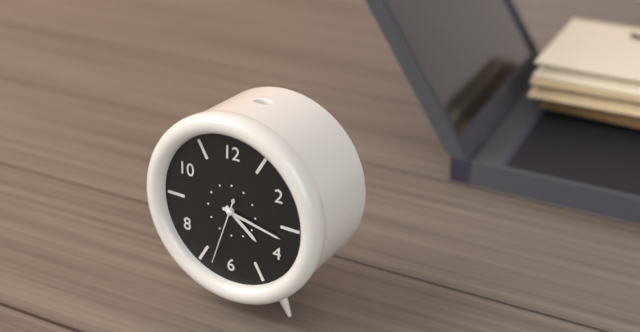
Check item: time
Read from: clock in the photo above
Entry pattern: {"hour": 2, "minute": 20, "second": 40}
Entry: {"hour": 4, "minute": 17, "second": 33}
